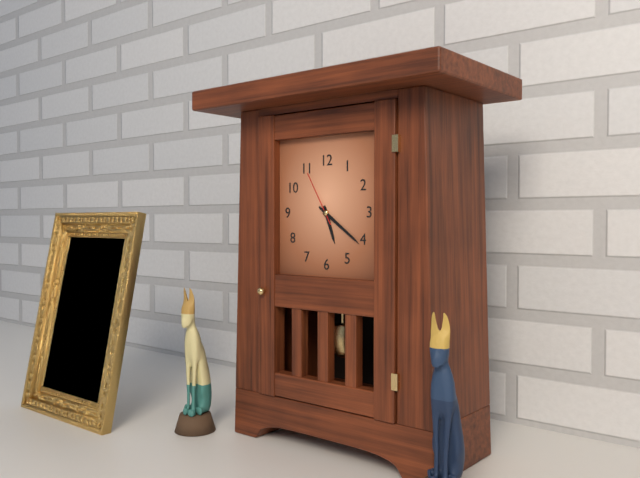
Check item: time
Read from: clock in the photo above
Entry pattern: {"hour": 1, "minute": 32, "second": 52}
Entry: {"hour": 5, "minute": 21, "second": 55}
